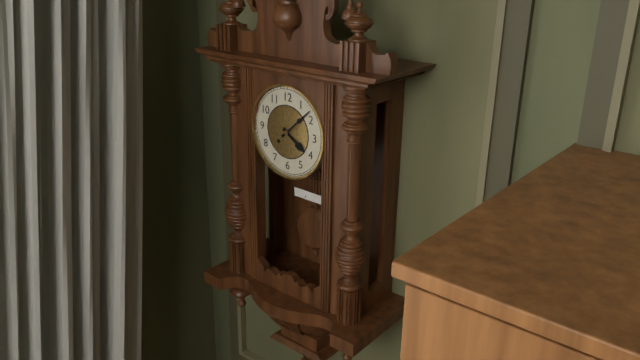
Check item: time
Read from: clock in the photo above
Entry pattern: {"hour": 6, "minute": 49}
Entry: {"hour": 4, "minute": 8}
